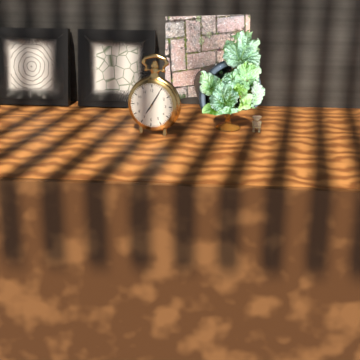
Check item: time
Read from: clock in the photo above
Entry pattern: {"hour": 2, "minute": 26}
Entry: {"hour": 7, "minute": 5}
